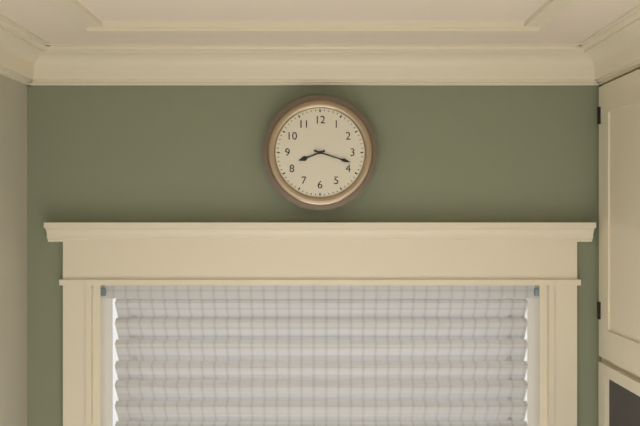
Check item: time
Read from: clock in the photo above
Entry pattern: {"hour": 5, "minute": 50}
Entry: {"hour": 8, "minute": 18}
